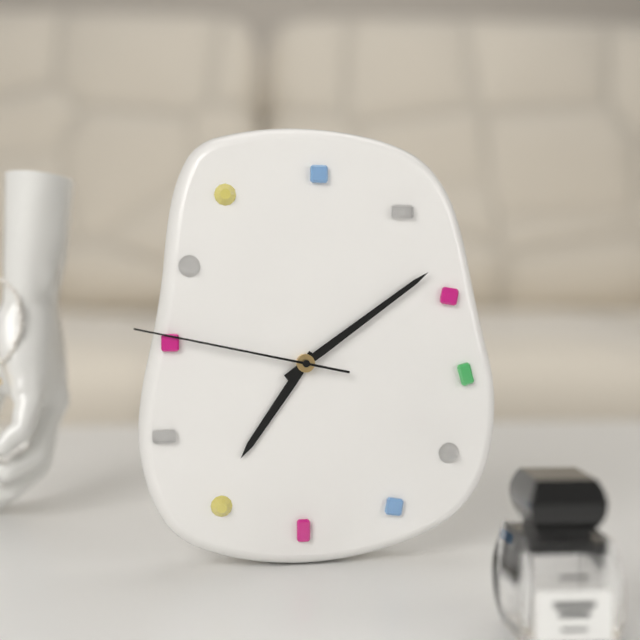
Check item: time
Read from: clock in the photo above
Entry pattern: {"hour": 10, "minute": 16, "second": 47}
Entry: {"hour": 7, "minute": 9, "second": 47}
